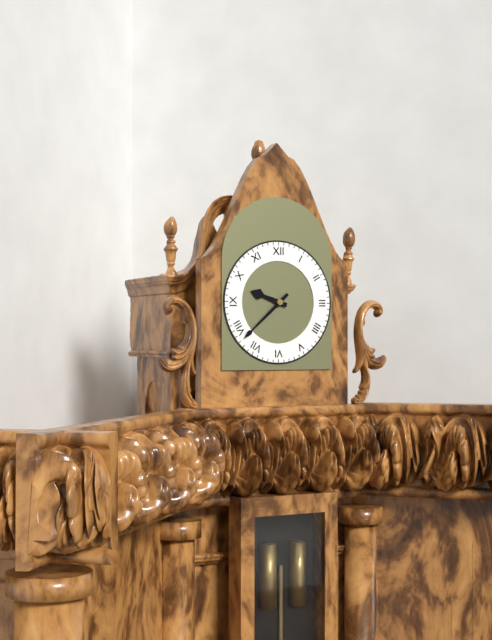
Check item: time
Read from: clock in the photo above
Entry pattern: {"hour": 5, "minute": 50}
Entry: {"hour": 9, "minute": 38}
